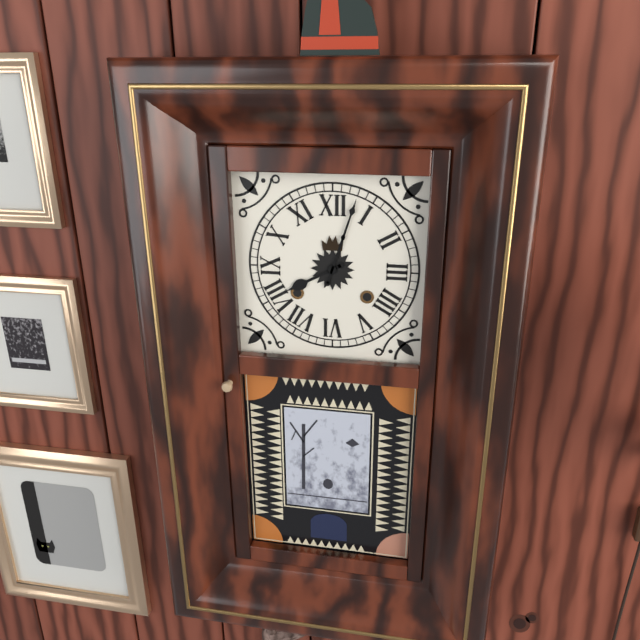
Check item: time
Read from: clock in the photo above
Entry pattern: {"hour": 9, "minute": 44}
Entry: {"hour": 8, "minute": 3}
